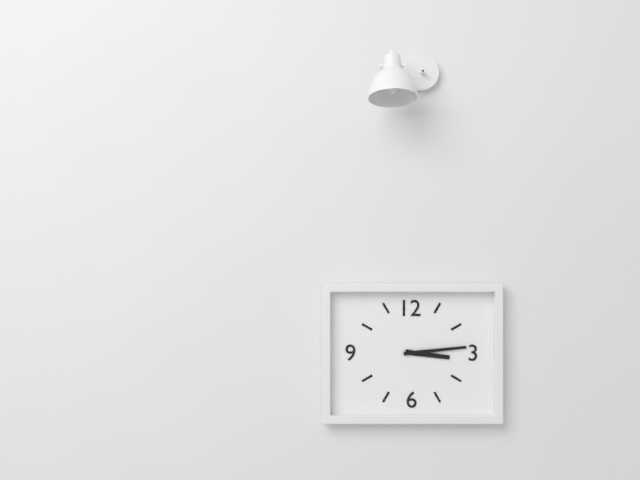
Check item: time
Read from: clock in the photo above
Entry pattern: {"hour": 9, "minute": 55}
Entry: {"hour": 3, "minute": 14}
